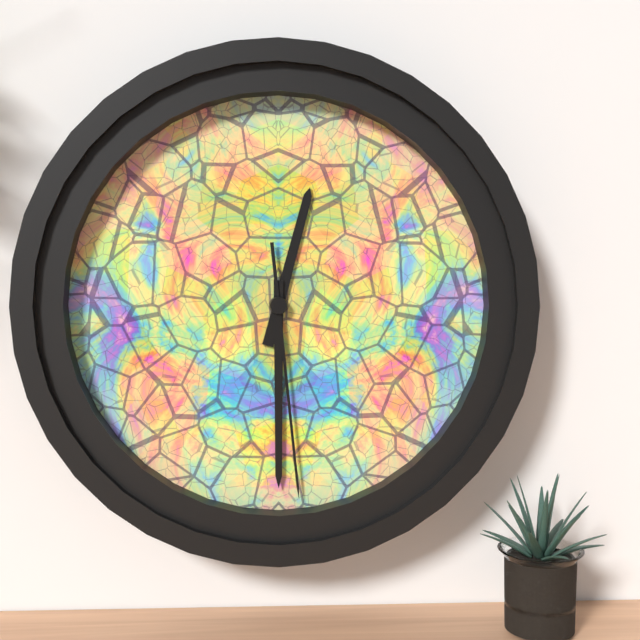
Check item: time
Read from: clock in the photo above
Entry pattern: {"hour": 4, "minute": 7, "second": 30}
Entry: {"hour": 12, "minute": 30, "second": 29}
